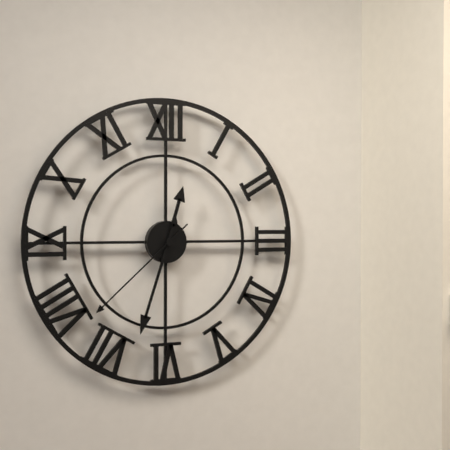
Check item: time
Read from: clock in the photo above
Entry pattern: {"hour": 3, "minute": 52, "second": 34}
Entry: {"hour": 12, "minute": 33, "second": 38}
